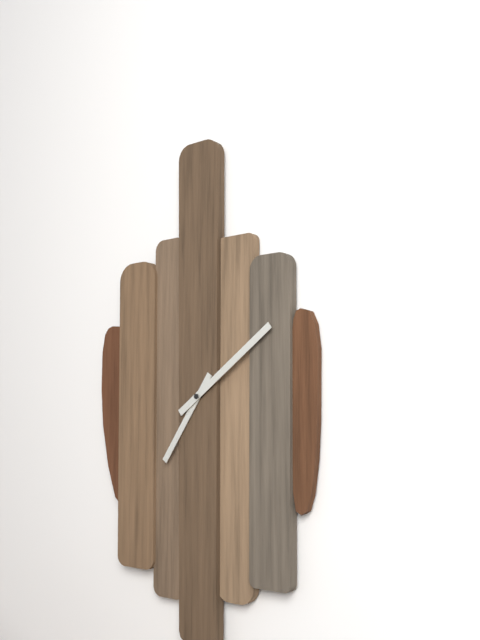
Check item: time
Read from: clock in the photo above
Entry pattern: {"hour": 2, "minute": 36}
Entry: {"hour": 7, "minute": 9}
